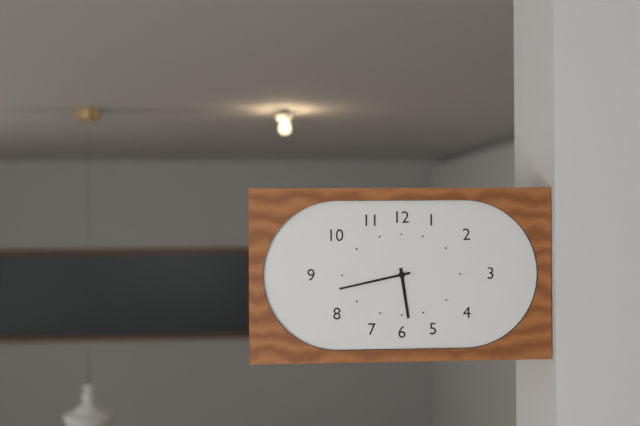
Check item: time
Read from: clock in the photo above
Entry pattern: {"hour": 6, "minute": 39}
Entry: {"hour": 5, "minute": 43}
